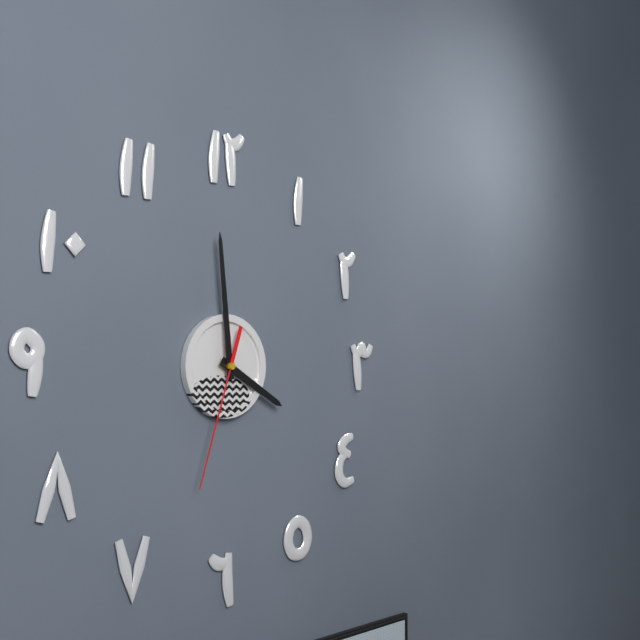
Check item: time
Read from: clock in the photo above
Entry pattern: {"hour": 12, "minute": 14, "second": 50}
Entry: {"hour": 3, "minute": 59, "second": 33}
